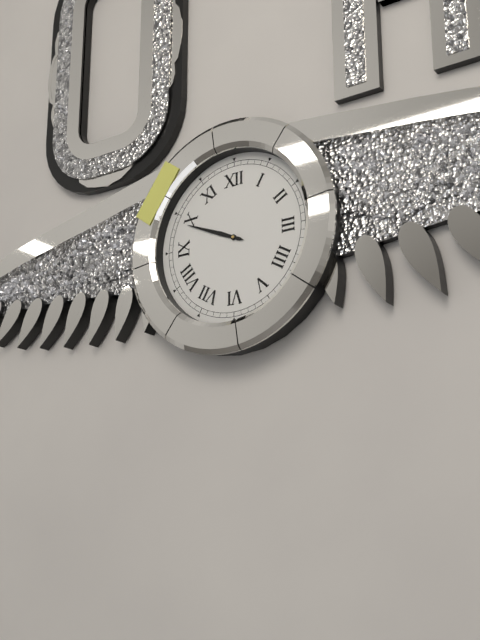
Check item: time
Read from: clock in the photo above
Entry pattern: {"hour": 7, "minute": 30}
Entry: {"hour": 9, "minute": 49}
